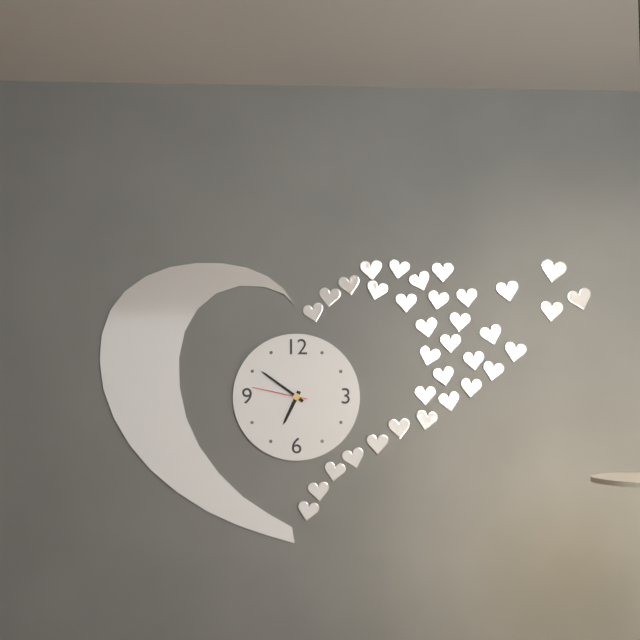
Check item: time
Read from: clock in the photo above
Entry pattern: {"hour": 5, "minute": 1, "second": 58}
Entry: {"hour": 6, "minute": 51, "second": 47}
